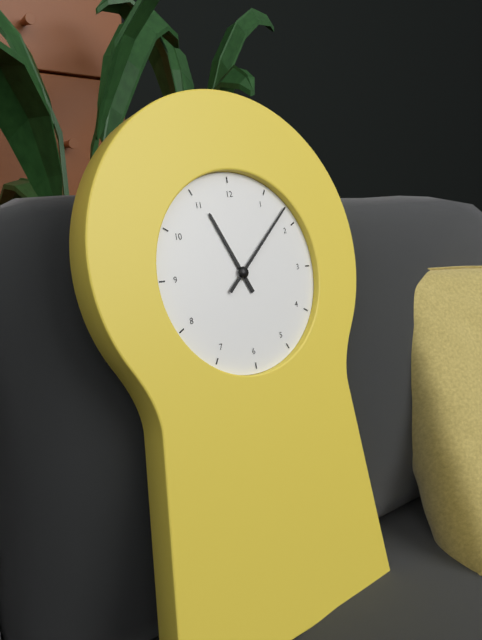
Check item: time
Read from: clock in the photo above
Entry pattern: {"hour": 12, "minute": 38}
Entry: {"hour": 11, "minute": 8}
